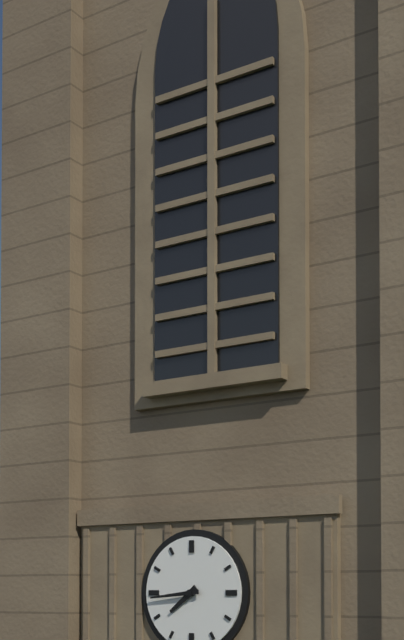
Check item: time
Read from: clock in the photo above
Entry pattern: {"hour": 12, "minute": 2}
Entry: {"hour": 7, "minute": 44}
